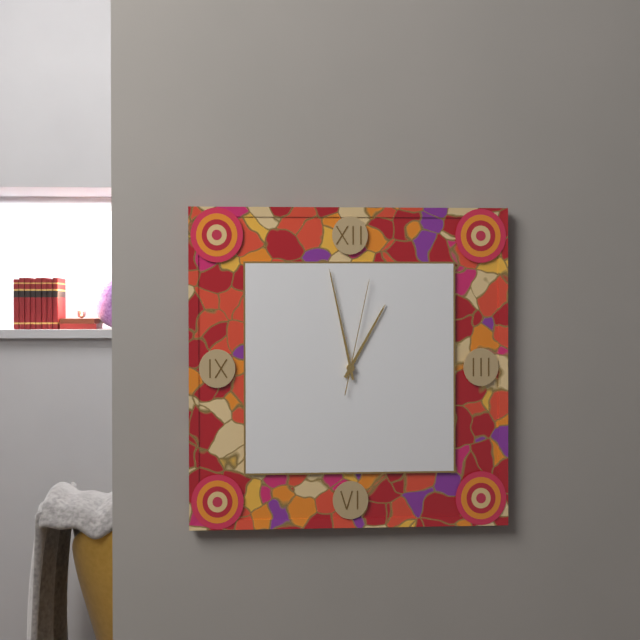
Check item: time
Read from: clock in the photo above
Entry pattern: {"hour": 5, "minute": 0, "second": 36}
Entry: {"hour": 12, "minute": 58, "second": 2}
